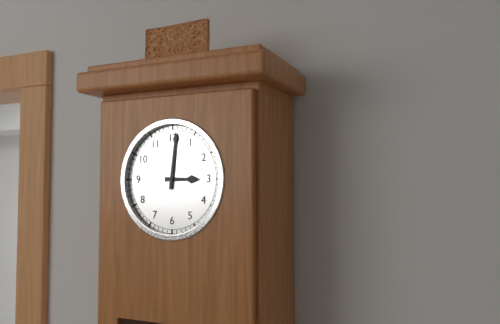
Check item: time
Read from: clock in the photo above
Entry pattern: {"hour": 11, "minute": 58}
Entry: {"hour": 3, "minute": 1}
